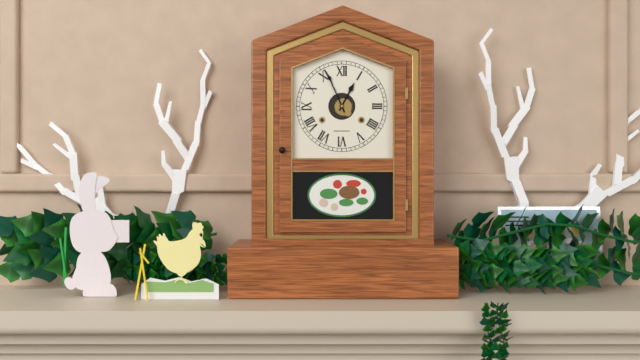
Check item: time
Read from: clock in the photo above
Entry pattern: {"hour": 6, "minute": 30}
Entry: {"hour": 12, "minute": 56}
